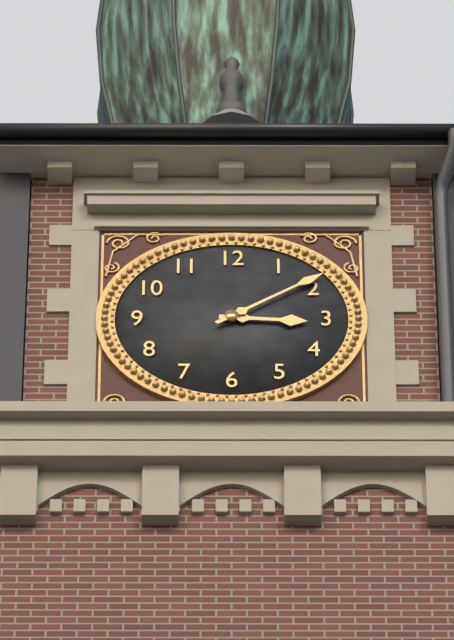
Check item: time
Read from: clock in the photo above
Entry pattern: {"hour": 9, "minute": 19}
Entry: {"hour": 3, "minute": 9}
